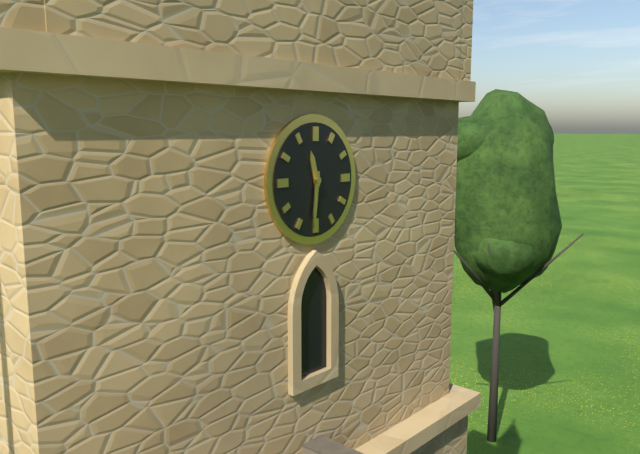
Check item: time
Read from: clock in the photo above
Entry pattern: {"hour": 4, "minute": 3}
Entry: {"hour": 11, "minute": 31}
